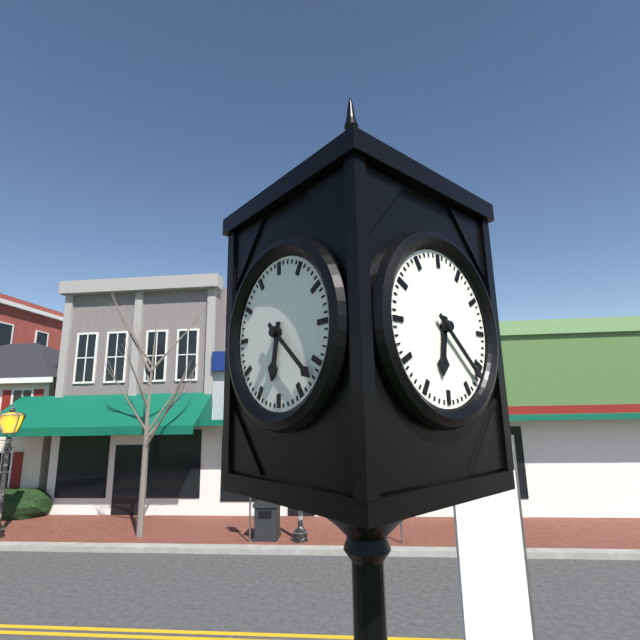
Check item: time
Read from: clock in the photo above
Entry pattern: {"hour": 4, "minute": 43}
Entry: {"hour": 6, "minute": 22}
